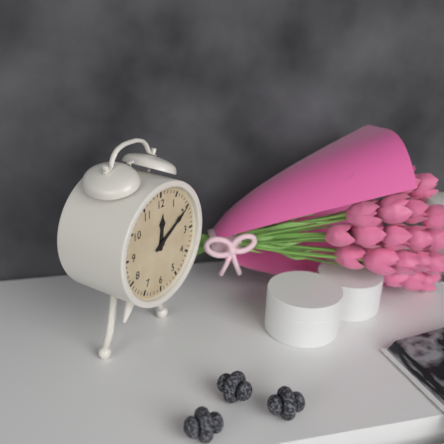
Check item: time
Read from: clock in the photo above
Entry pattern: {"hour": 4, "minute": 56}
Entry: {"hour": 12, "minute": 10}
